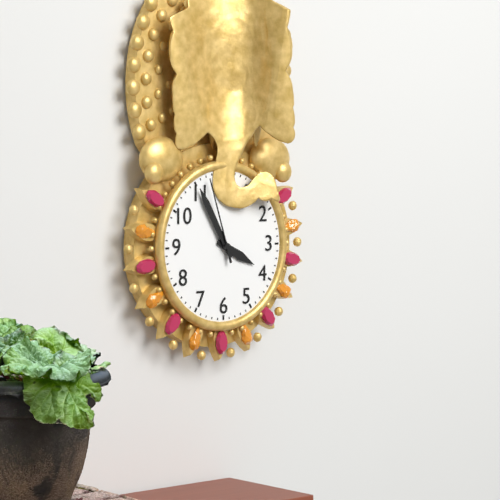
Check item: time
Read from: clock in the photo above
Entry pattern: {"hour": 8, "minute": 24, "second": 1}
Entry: {"hour": 3, "minute": 55, "second": 57}
